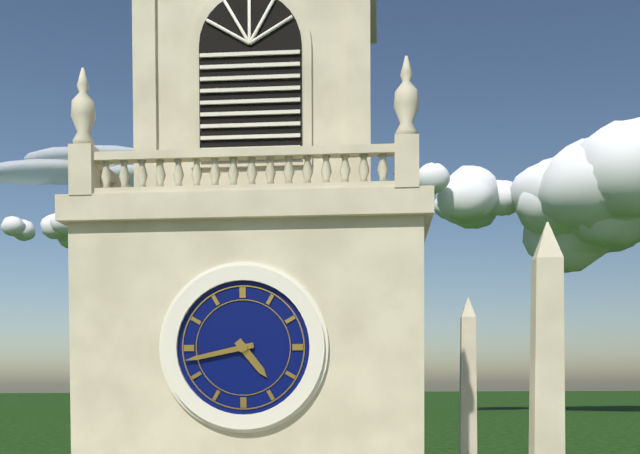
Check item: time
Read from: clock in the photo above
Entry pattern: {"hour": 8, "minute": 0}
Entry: {"hour": 4, "minute": 43}
